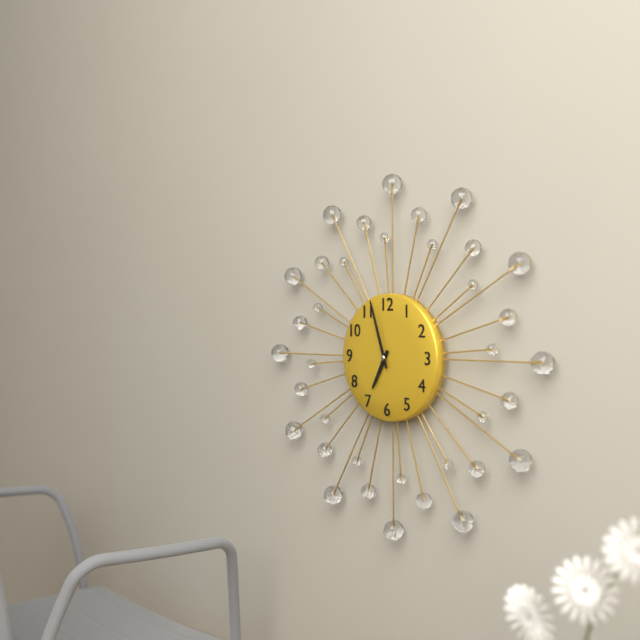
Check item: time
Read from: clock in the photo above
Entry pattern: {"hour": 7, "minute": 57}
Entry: {"hour": 6, "minute": 57}
